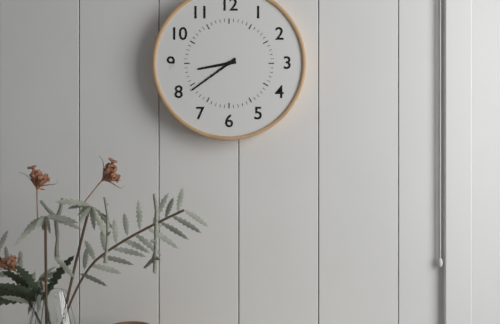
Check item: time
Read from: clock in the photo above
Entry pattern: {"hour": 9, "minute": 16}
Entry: {"hour": 8, "minute": 39}
